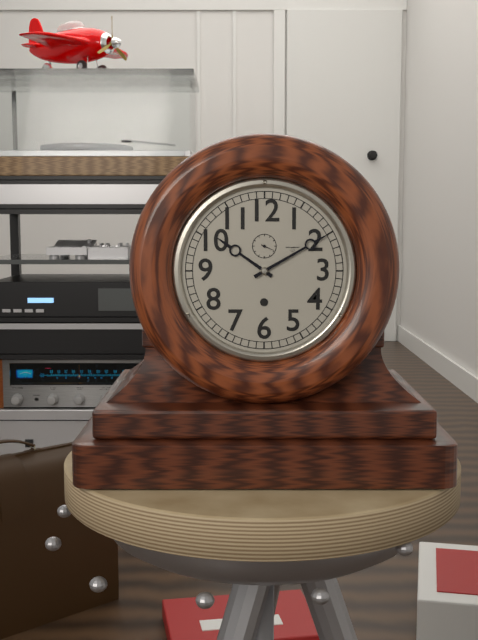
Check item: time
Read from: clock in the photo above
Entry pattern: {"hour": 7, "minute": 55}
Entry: {"hour": 10, "minute": 10}
